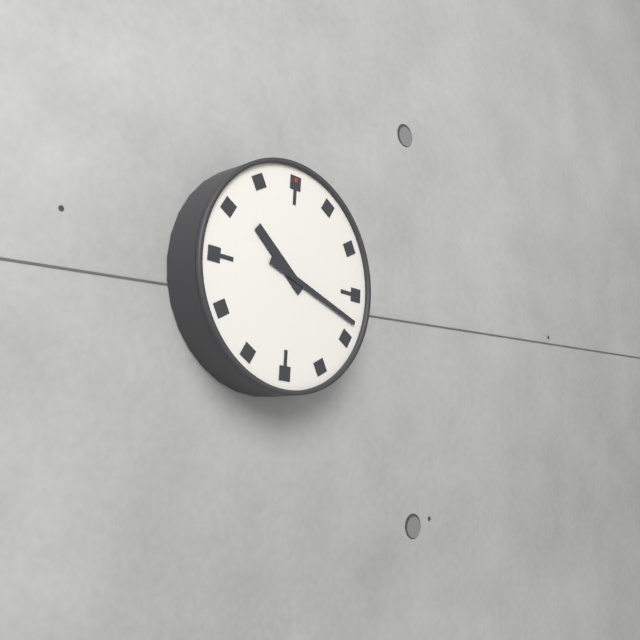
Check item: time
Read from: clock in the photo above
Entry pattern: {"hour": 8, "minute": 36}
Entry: {"hour": 10, "minute": 18}
